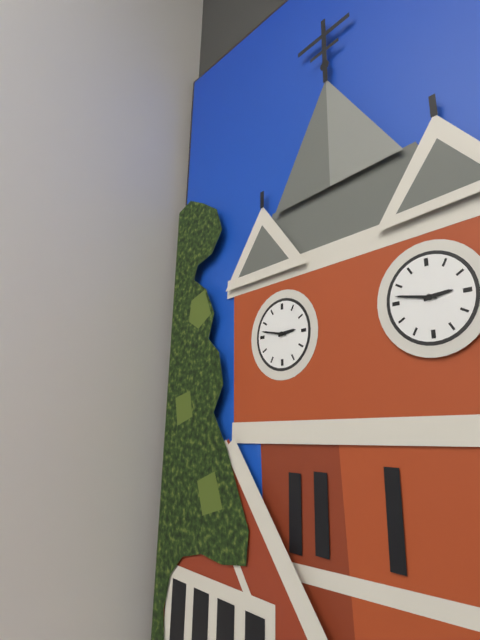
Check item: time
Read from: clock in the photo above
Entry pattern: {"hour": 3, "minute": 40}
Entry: {"hour": 2, "minute": 47}
